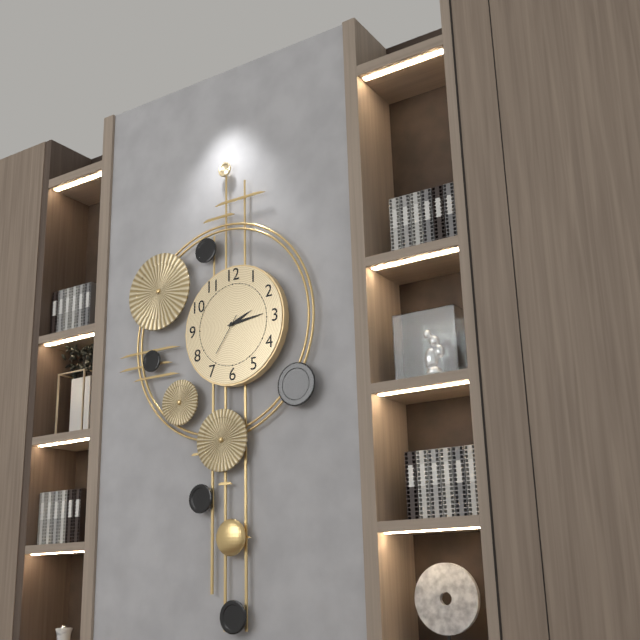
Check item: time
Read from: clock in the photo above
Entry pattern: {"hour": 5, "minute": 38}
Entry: {"hour": 2, "minute": 14}
